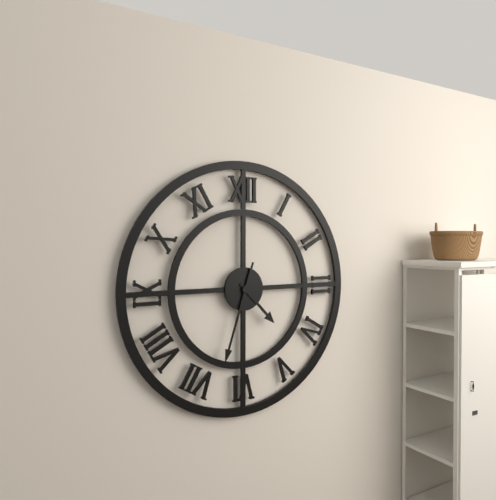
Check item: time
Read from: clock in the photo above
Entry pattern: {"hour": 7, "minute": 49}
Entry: {"hour": 4, "minute": 33}
